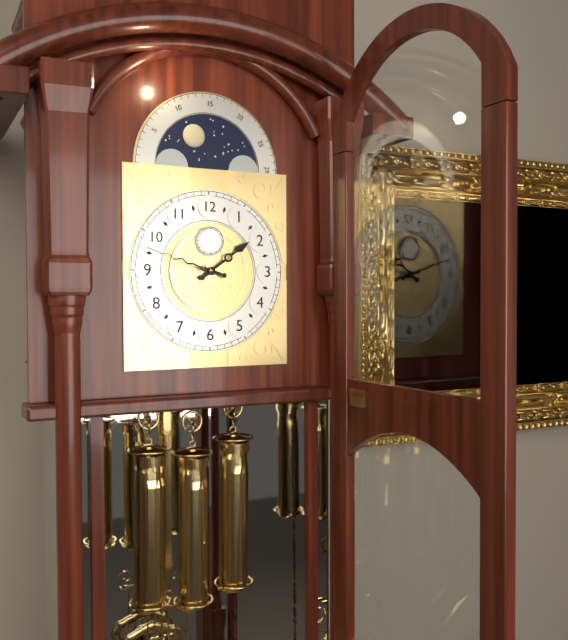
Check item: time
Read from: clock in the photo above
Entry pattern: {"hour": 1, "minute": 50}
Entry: {"hour": 1, "minute": 48}
